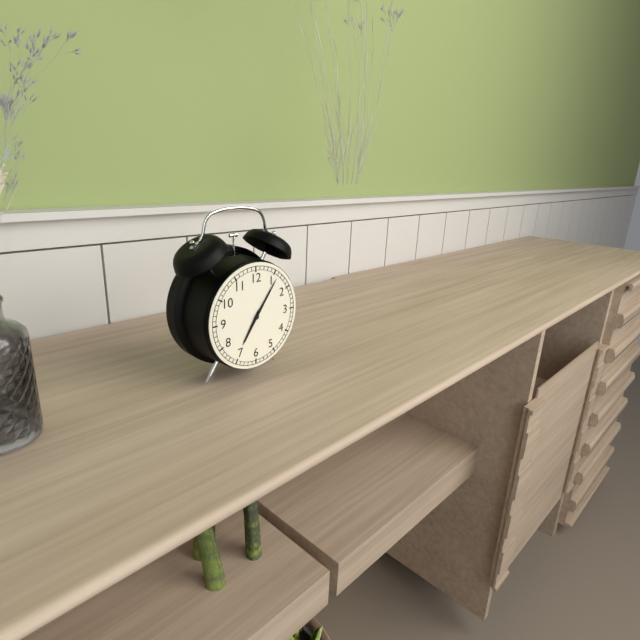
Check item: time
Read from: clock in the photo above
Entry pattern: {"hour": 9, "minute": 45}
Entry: {"hour": 7, "minute": 6}
